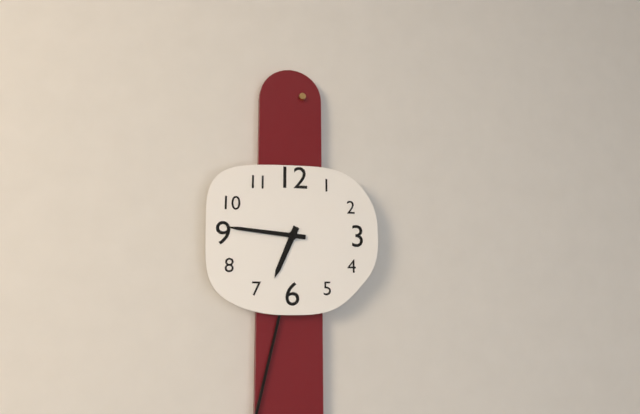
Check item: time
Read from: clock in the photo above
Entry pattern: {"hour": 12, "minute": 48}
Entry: {"hour": 6, "minute": 46}
